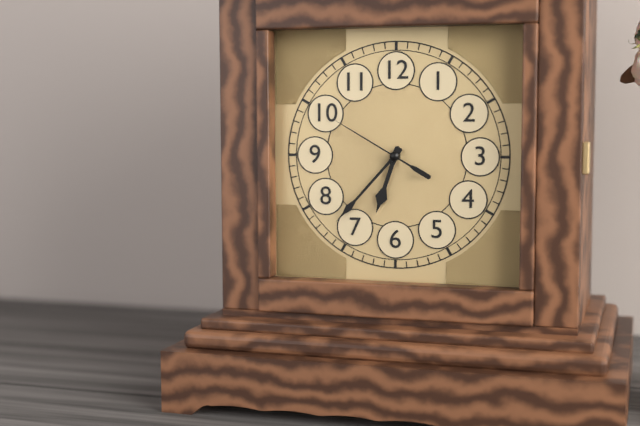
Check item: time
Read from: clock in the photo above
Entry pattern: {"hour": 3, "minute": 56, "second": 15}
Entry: {"hour": 6, "minute": 37, "second": 50}
